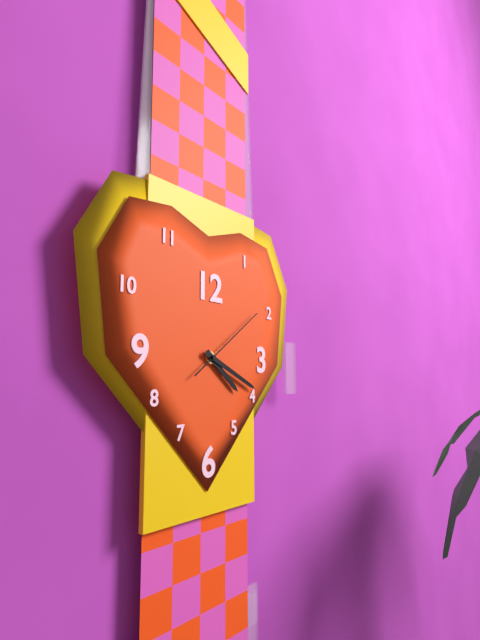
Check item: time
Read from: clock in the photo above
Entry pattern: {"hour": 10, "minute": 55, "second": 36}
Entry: {"hour": 4, "minute": 19, "second": 9}
